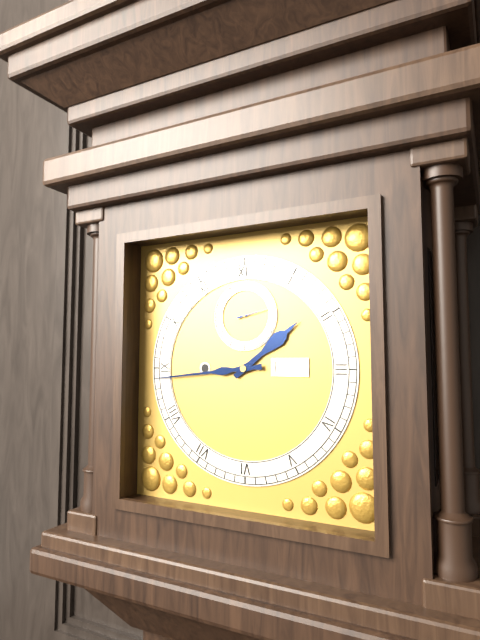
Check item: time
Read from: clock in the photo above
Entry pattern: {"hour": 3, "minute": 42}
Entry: {"hour": 1, "minute": 44}
